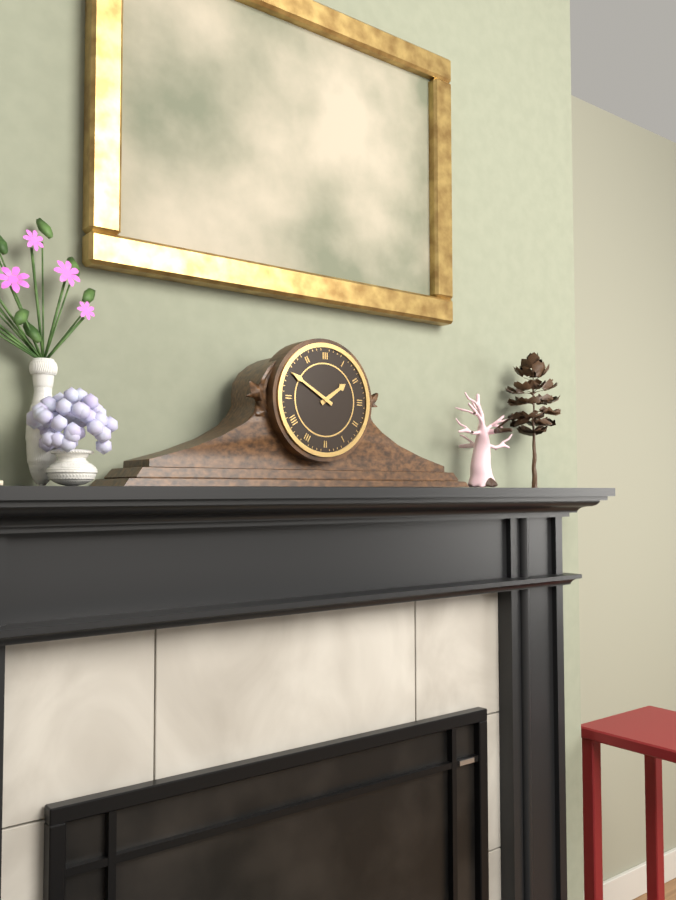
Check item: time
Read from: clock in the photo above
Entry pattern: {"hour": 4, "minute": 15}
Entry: {"hour": 1, "minute": 50}
